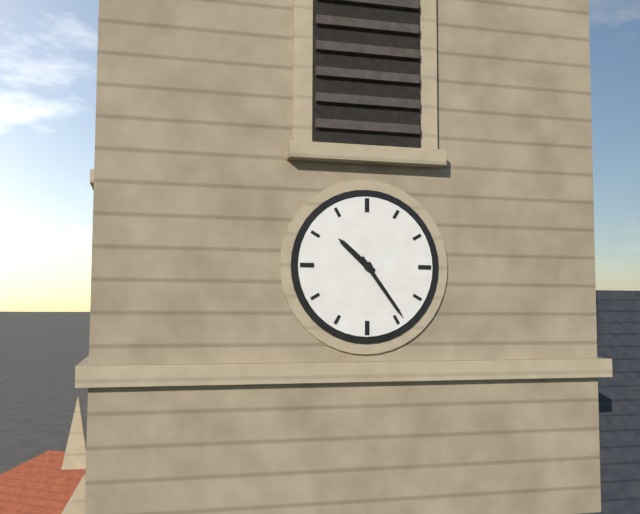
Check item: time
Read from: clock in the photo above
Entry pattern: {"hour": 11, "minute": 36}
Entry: {"hour": 10, "minute": 24}
